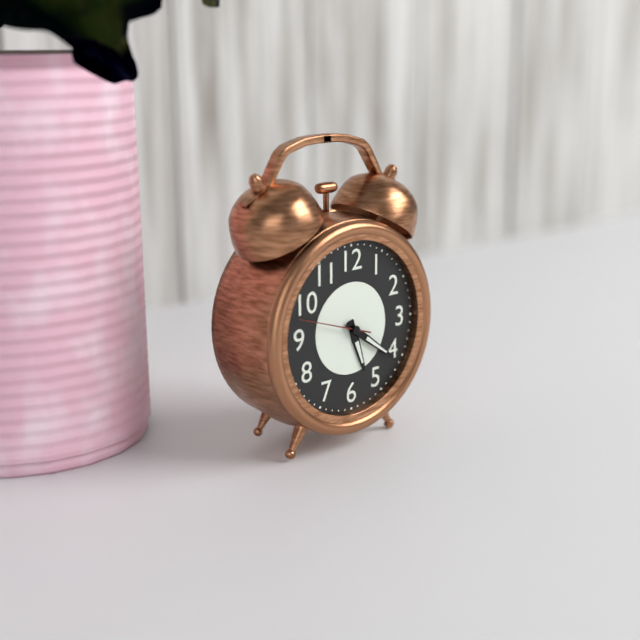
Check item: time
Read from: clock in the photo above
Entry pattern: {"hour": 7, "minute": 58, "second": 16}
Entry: {"hour": 5, "minute": 21, "second": 48}
